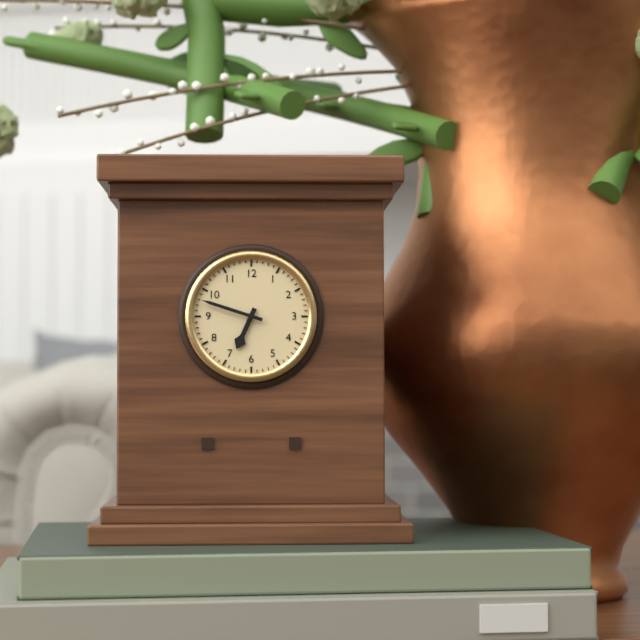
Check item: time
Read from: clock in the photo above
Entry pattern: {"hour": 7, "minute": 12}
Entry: {"hour": 6, "minute": 48}
